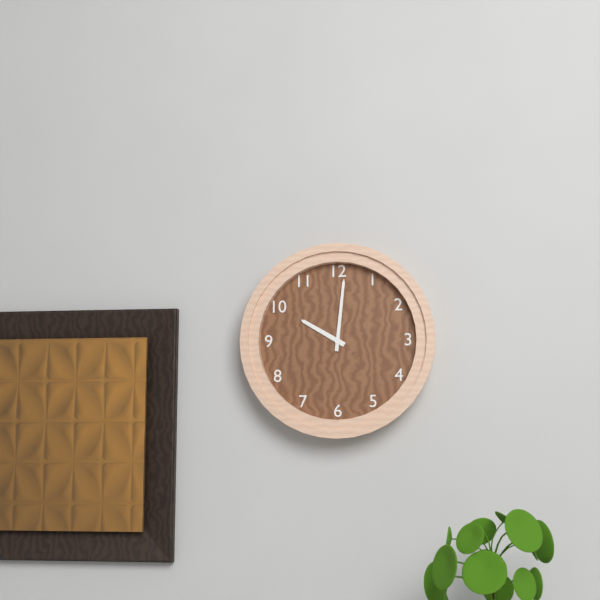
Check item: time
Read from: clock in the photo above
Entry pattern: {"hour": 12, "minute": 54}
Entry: {"hour": 10, "minute": 1}
